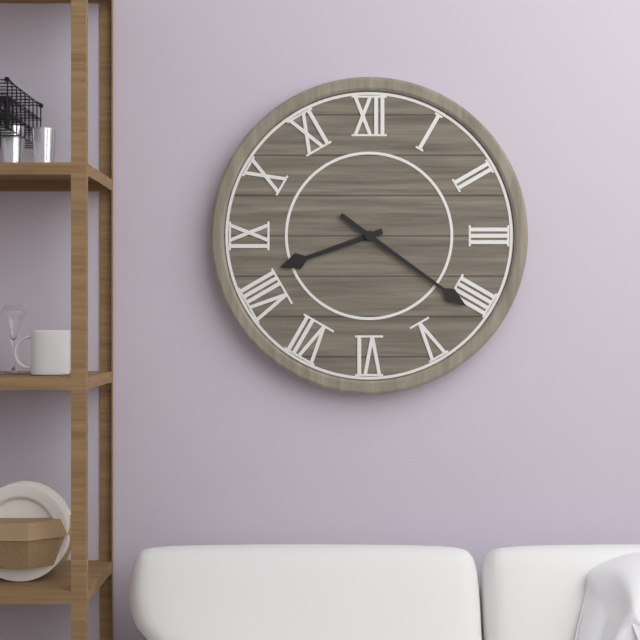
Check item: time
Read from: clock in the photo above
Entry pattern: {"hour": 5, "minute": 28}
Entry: {"hour": 8, "minute": 21}
